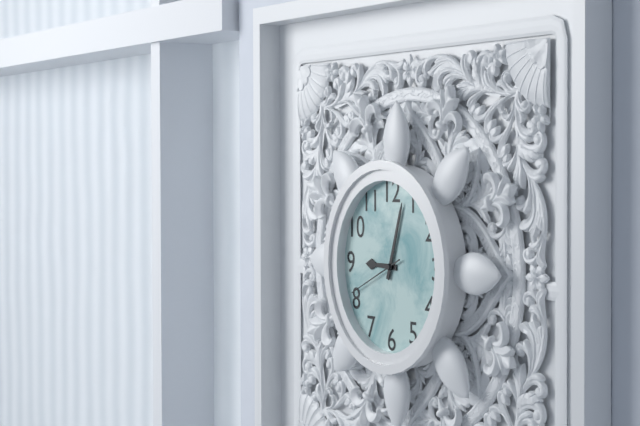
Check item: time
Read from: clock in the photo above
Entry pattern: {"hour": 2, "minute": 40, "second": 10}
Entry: {"hour": 9, "minute": 3, "second": 41}
